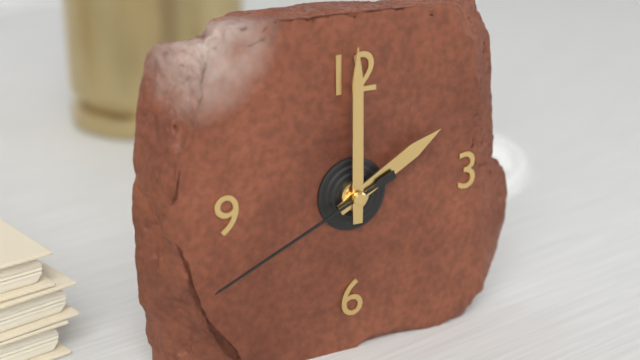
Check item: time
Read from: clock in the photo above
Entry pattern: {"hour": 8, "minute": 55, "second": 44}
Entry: {"hour": 2, "minute": 0, "second": 41}
